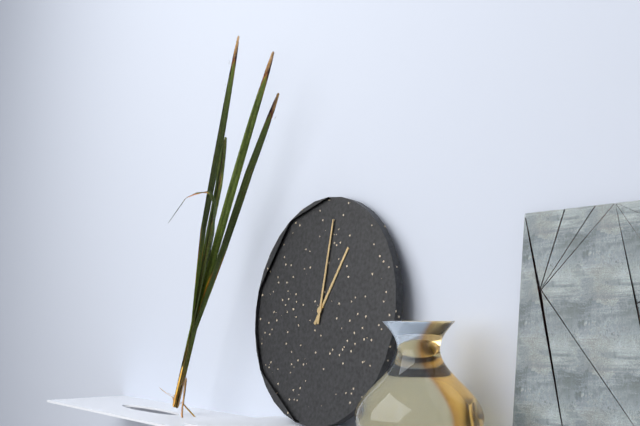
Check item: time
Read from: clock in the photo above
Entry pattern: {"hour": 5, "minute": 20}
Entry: {"hour": 1, "minute": 1}
